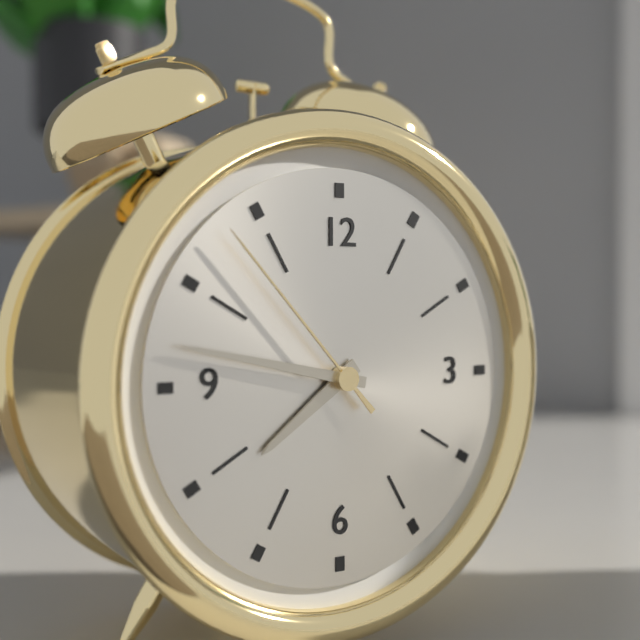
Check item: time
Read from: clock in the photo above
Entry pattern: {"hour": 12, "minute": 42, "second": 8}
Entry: {"hour": 7, "minute": 47, "second": 53}
